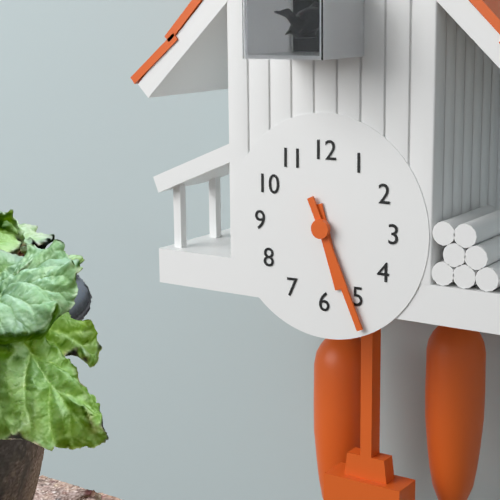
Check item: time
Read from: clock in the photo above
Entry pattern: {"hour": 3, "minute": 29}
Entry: {"hour": 5, "minute": 26}
